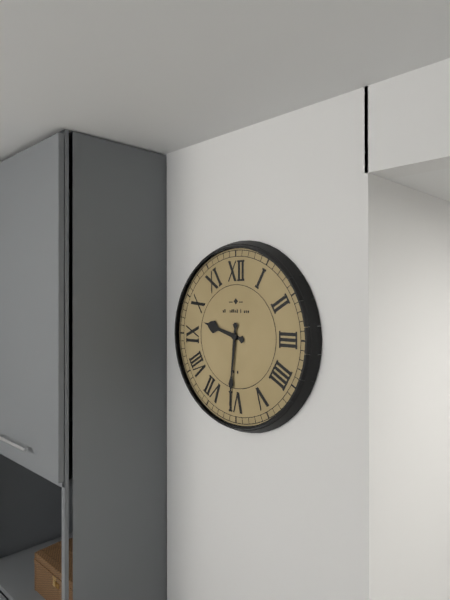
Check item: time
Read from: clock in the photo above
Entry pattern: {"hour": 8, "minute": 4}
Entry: {"hour": 9, "minute": 31}
